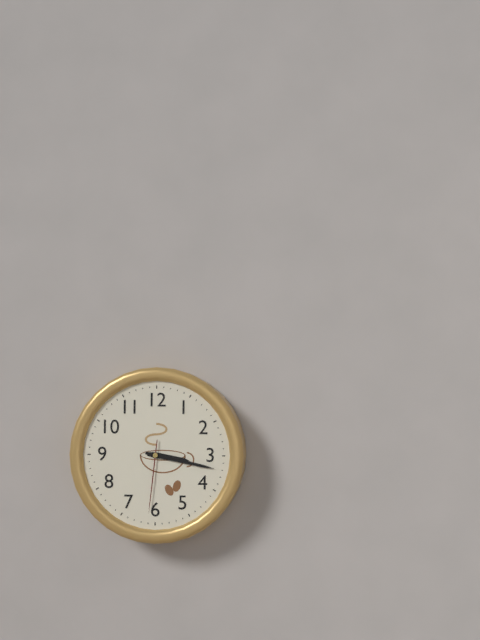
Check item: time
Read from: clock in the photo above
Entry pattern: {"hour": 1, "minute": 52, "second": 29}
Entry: {"hour": 3, "minute": 17, "second": 31}
